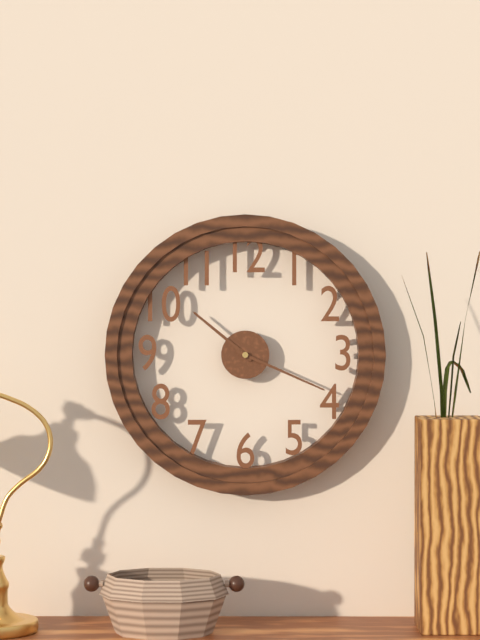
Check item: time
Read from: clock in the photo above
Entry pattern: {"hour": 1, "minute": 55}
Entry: {"hour": 10, "minute": 19}
